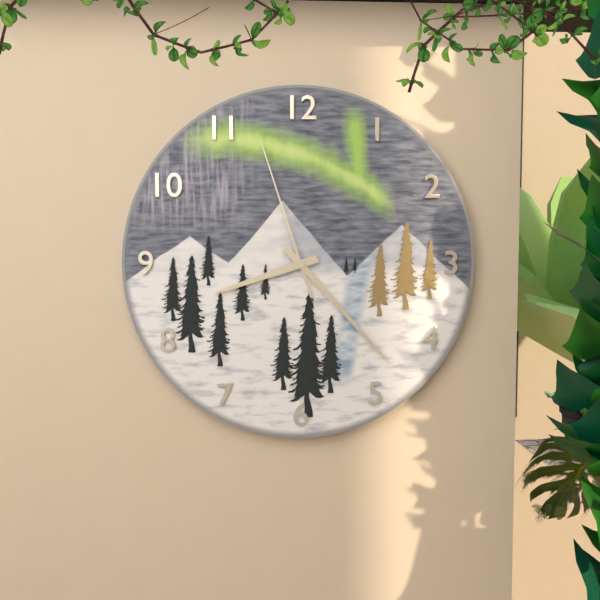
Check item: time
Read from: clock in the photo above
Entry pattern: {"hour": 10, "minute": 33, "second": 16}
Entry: {"hour": 8, "minute": 23, "second": 57}
